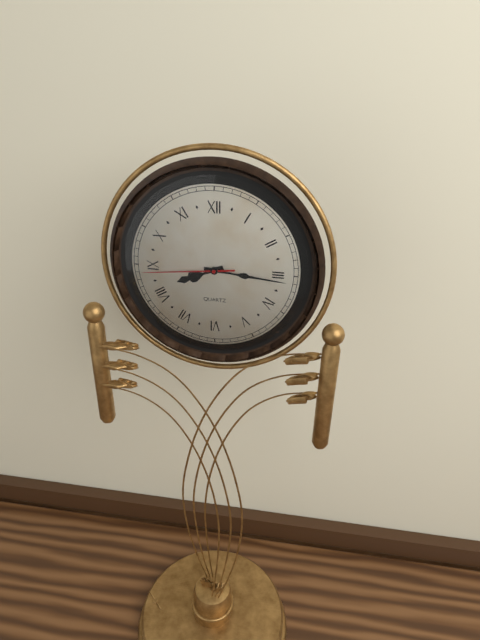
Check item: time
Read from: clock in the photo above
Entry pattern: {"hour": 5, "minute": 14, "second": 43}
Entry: {"hour": 8, "minute": 16, "second": 44}
